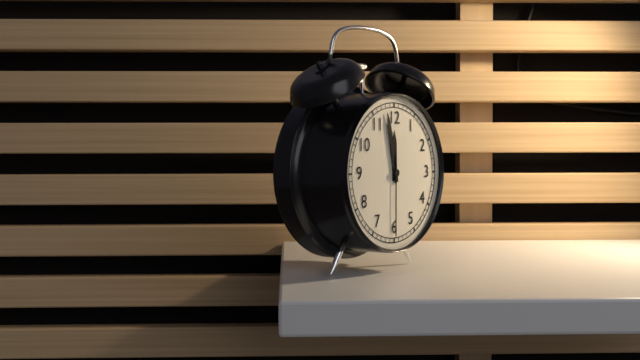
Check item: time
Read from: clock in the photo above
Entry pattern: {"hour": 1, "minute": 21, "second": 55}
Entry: {"hour": 11, "minute": 58, "second": 30}
